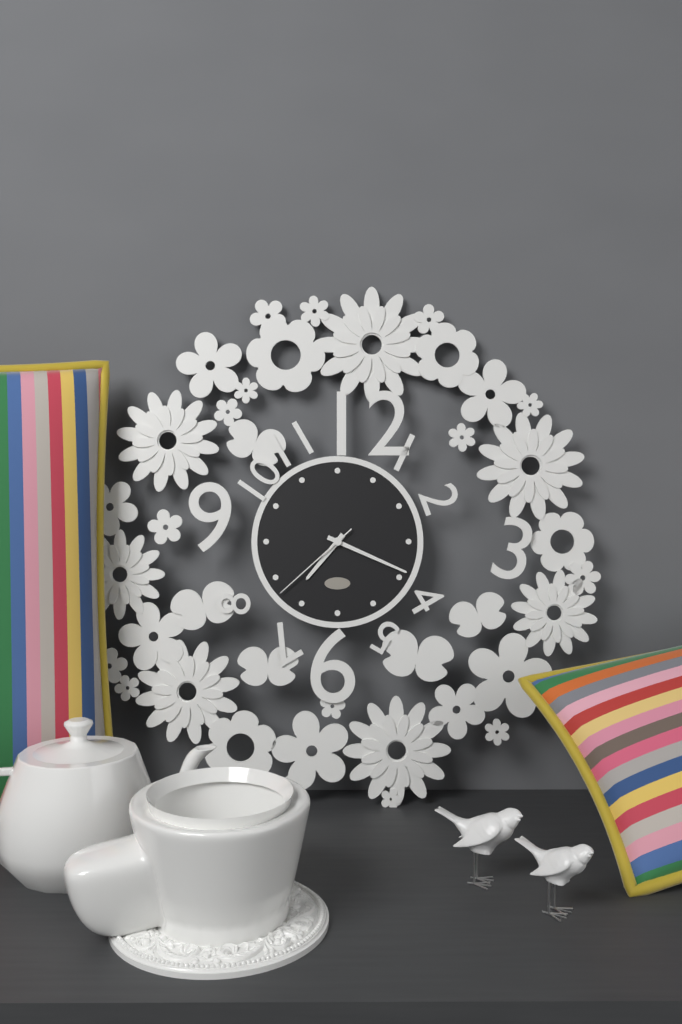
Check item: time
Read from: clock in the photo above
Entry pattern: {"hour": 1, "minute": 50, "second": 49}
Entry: {"hour": 7, "minute": 19, "second": 38}
